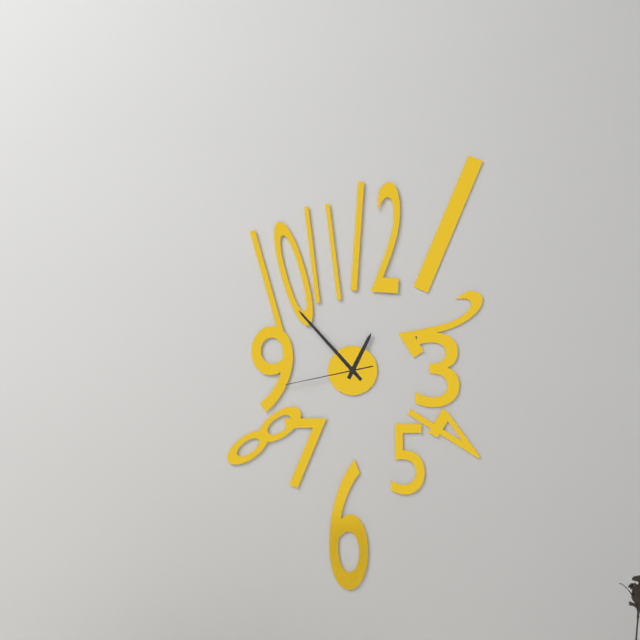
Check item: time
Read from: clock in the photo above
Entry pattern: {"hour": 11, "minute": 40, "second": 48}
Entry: {"hour": 12, "minute": 53, "second": 43}
